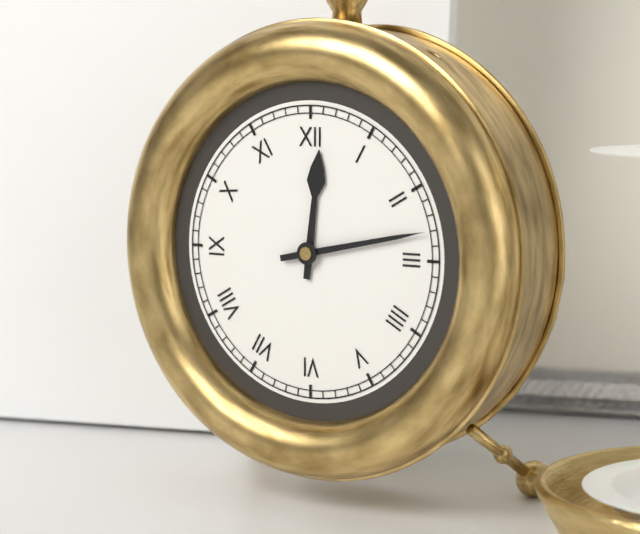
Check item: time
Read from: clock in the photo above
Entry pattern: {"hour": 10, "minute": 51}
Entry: {"hour": 12, "minute": 13}
